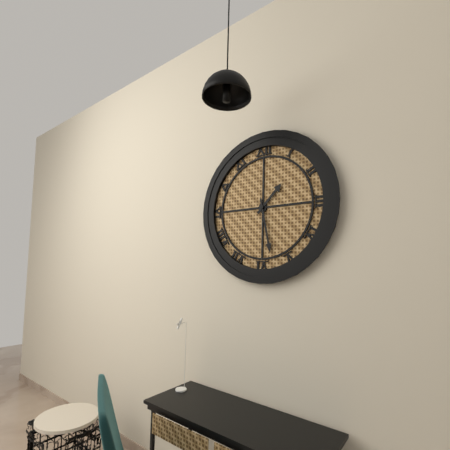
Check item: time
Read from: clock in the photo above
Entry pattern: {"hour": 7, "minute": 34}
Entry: {"hour": 1, "minute": 28}
